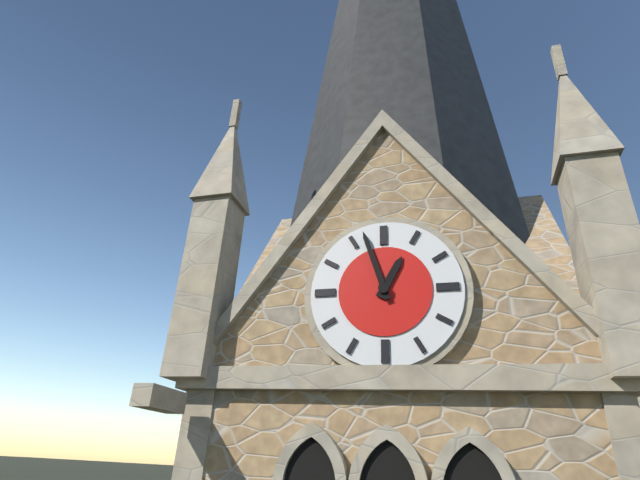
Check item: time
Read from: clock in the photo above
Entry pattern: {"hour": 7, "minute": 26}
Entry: {"hour": 12, "minute": 57}
